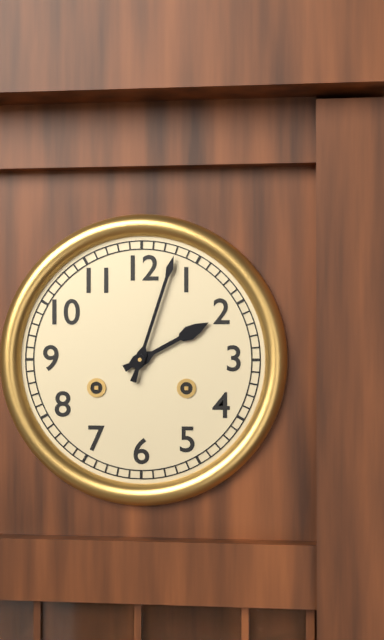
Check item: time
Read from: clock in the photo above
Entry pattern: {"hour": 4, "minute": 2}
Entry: {"hour": 2, "minute": 3}
